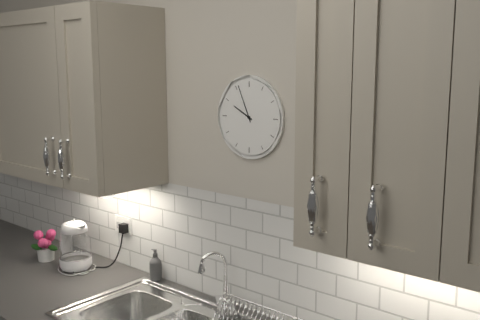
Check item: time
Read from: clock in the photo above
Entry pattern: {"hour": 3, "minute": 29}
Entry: {"hour": 9, "minute": 56}
